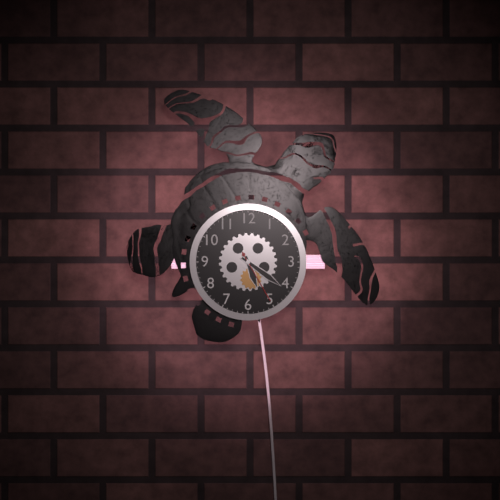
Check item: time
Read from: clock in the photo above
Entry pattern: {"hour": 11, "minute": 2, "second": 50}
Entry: {"hour": 5, "minute": 21, "second": 25}
